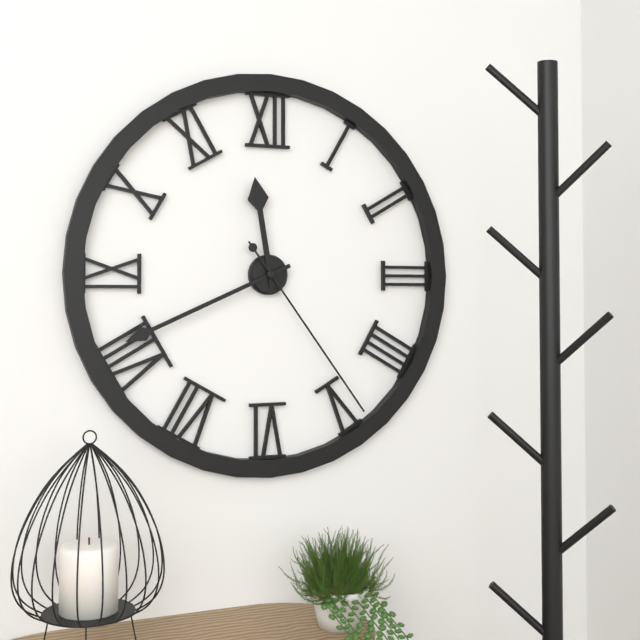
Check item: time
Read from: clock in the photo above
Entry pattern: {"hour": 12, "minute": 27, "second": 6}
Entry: {"hour": 11, "minute": 41, "second": 24}
